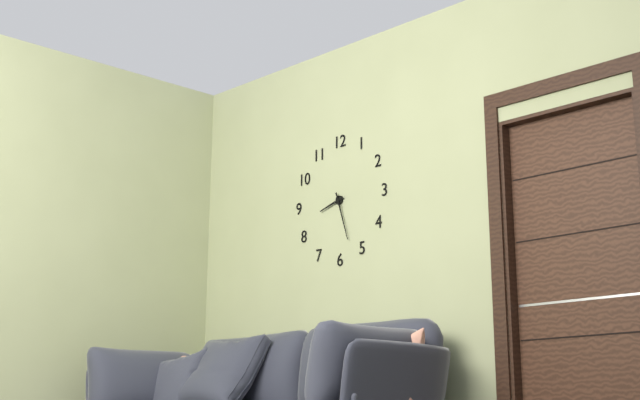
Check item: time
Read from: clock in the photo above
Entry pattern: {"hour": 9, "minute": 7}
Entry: {"hour": 8, "minute": 27}
